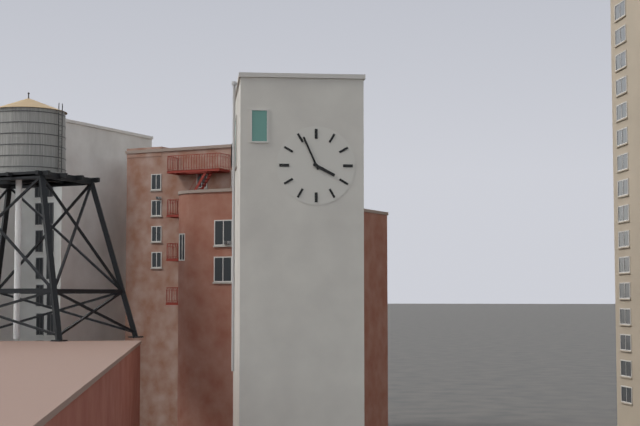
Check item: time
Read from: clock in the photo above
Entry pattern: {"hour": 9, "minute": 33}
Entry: {"hour": 3, "minute": 56}
